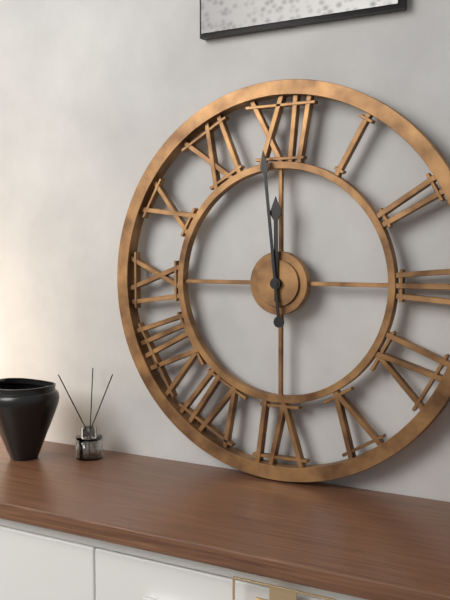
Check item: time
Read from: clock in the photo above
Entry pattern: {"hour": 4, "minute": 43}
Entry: {"hour": 11, "minute": 59}
